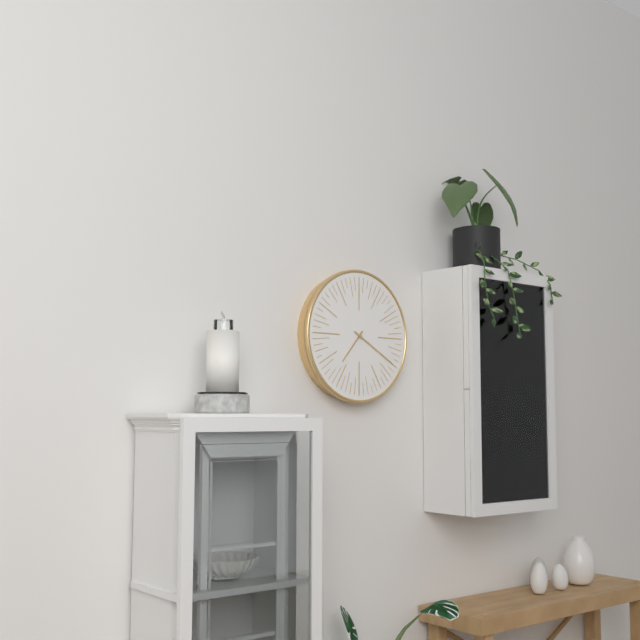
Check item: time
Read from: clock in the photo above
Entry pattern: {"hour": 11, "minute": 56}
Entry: {"hour": 7, "minute": 20}
